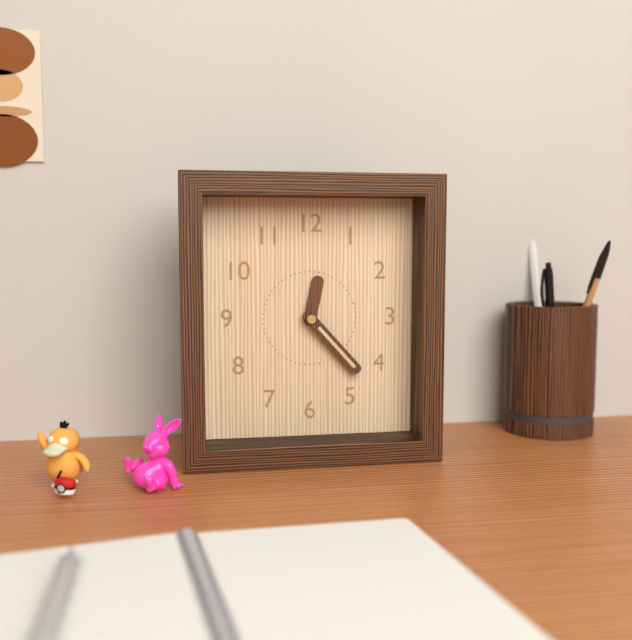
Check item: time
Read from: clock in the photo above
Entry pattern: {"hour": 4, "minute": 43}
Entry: {"hour": 12, "minute": 23}
